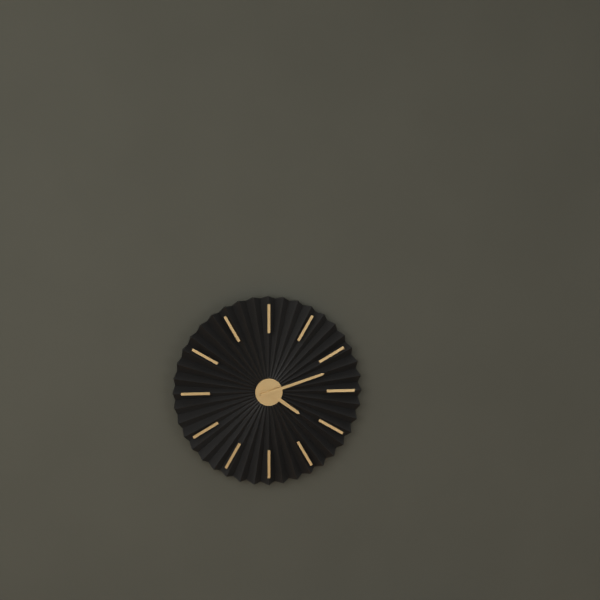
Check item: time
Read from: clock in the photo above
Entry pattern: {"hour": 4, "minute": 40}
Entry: {"hour": 4, "minute": 12}
